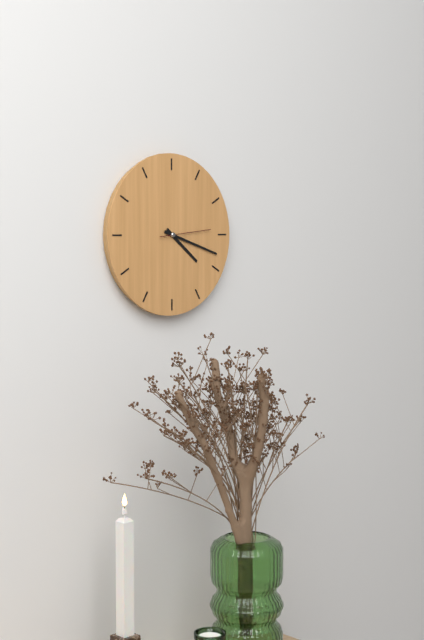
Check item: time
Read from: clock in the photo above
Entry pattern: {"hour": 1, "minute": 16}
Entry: {"hour": 4, "minute": 18}
